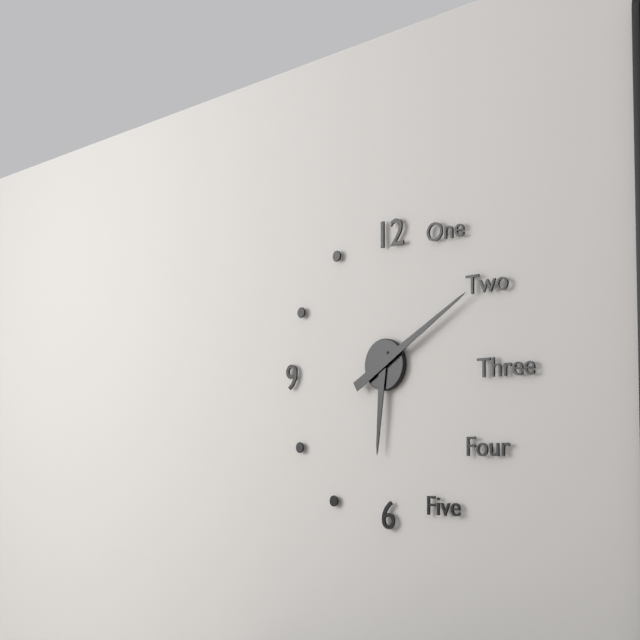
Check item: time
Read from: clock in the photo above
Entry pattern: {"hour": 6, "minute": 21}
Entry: {"hour": 6, "minute": 10}
